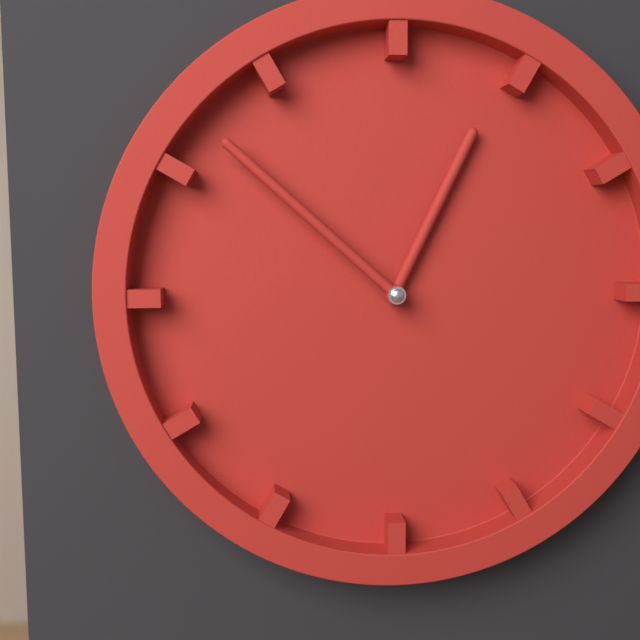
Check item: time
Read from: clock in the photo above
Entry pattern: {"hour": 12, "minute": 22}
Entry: {"hour": 12, "minute": 52}
